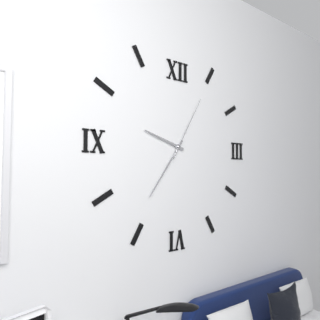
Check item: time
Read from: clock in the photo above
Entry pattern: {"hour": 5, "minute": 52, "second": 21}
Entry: {"hour": 9, "minute": 36, "second": 5}
